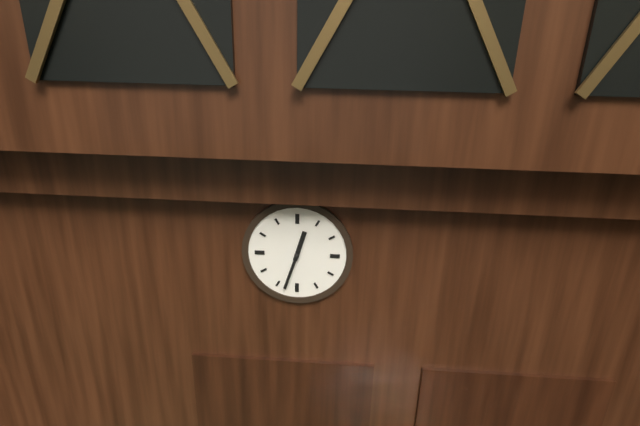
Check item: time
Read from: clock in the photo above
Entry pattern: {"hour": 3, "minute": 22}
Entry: {"hour": 12, "minute": 33}
